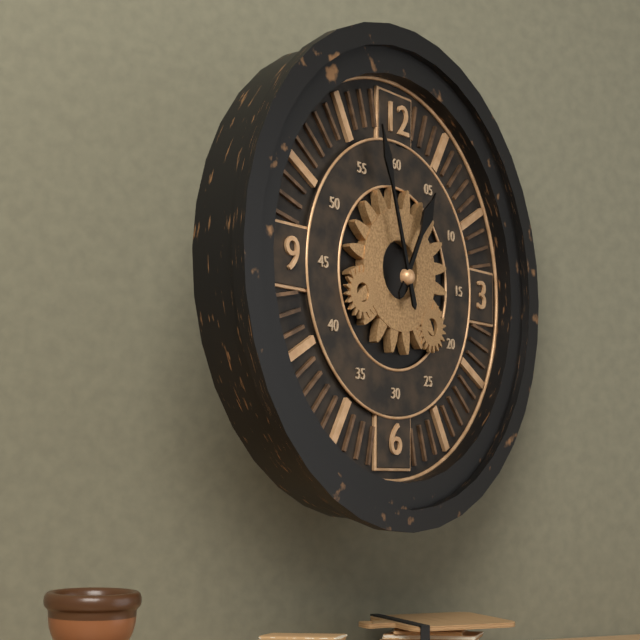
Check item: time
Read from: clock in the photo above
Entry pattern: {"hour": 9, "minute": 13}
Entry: {"hour": 12, "minute": 57}
